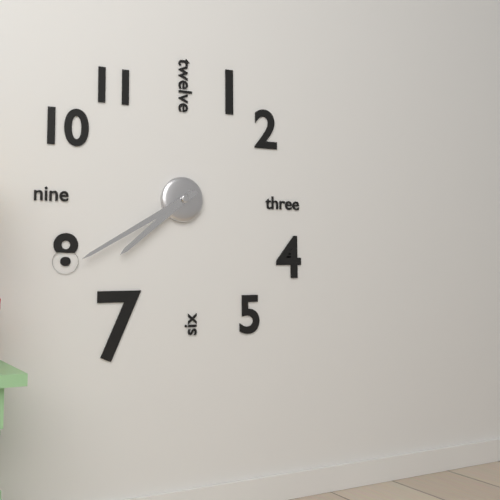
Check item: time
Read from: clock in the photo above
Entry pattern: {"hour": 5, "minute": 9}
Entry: {"hour": 7, "minute": 40}
